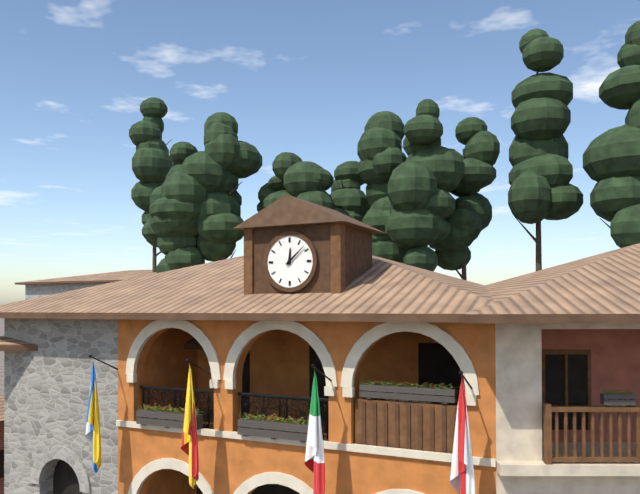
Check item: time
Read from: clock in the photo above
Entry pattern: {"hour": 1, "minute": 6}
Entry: {"hour": 12, "minute": 8}
